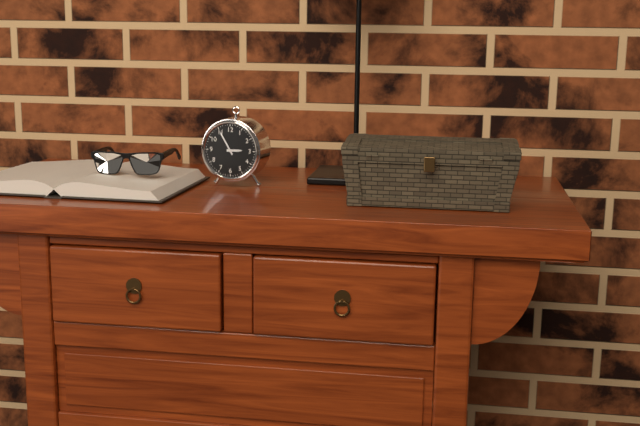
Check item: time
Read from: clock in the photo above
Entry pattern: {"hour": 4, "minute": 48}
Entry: {"hour": 2, "minute": 55}
